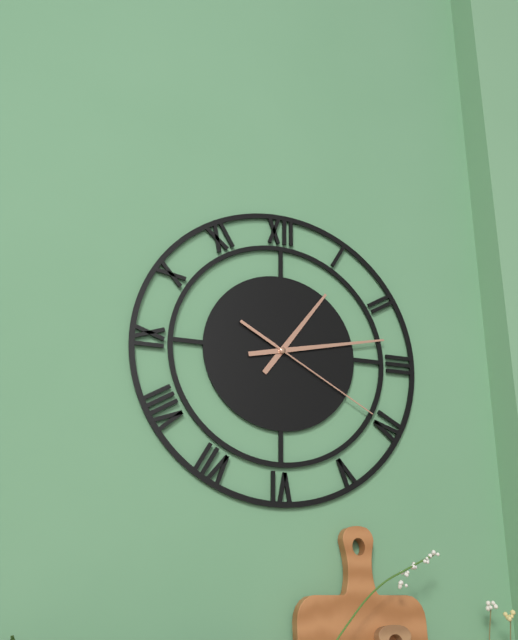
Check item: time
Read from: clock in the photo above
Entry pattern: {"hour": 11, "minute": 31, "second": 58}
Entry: {"hour": 1, "minute": 13, "second": 20}
